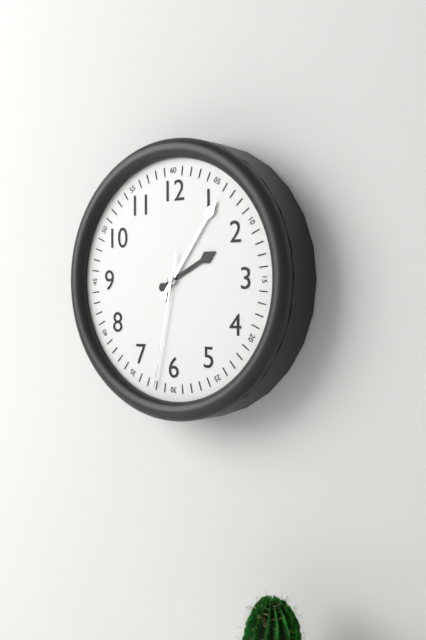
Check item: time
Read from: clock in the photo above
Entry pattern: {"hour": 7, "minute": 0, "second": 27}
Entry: {"hour": 2, "minute": 6, "second": 32}
